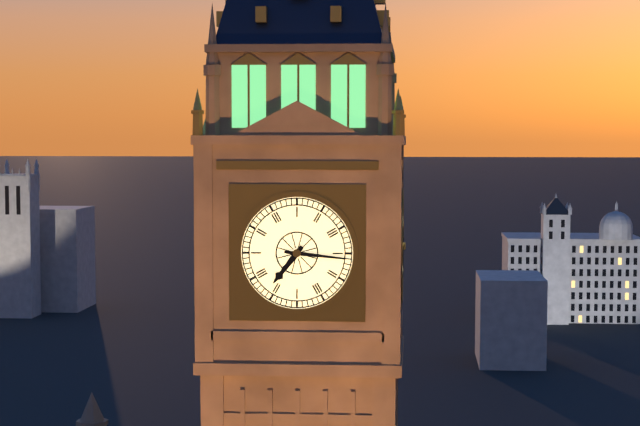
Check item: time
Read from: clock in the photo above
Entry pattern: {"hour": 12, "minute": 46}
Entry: {"hour": 7, "minute": 16}
